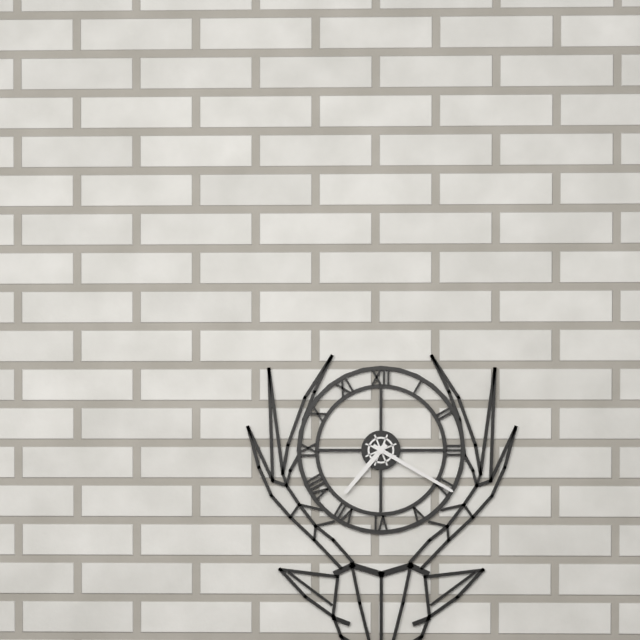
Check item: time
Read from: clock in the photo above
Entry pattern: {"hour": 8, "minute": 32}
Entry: {"hour": 7, "minute": 20}
